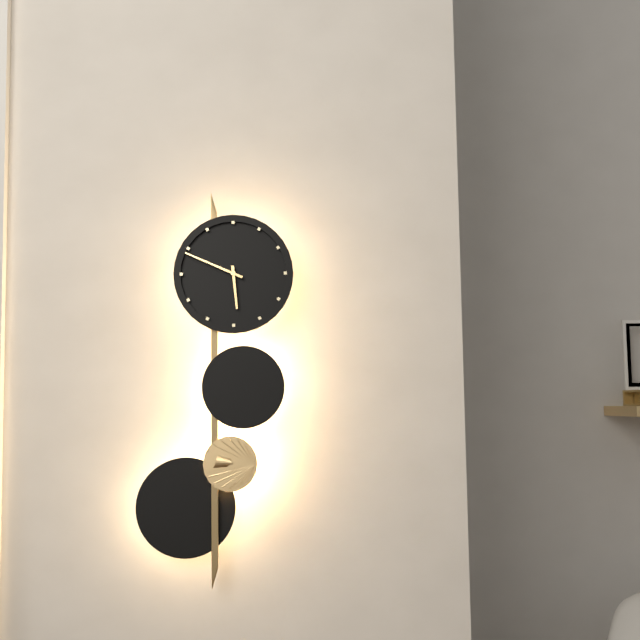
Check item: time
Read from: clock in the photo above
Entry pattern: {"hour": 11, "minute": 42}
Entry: {"hour": 5, "minute": 49}
